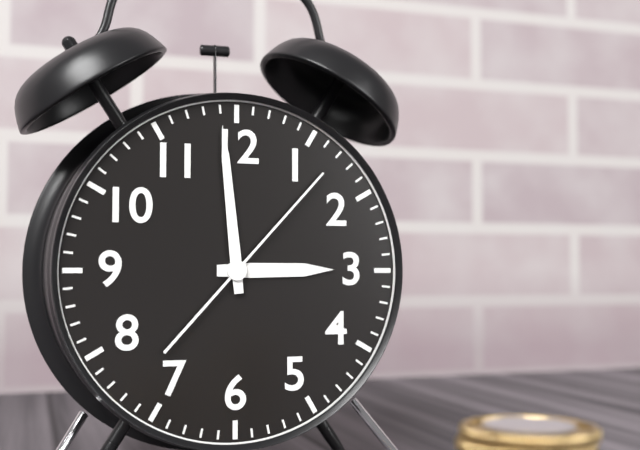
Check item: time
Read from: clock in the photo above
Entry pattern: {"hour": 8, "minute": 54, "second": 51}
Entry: {"hour": 2, "minute": 59, "second": 7}
